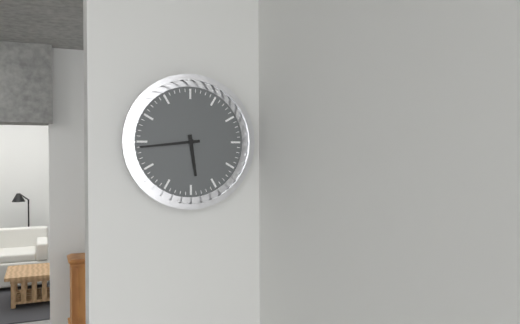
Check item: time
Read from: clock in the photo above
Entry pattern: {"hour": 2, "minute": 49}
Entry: {"hour": 5, "minute": 44}
